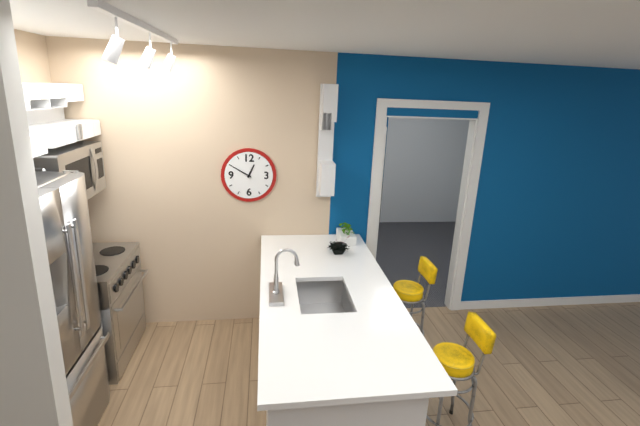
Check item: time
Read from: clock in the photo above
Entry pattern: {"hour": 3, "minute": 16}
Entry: {"hour": 12, "minute": 50}
